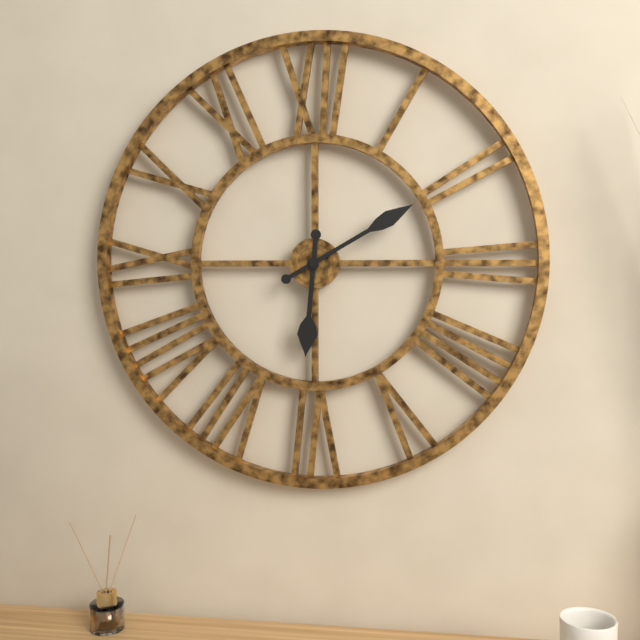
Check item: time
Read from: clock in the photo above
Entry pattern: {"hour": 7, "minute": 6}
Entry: {"hour": 6, "minute": 10}
